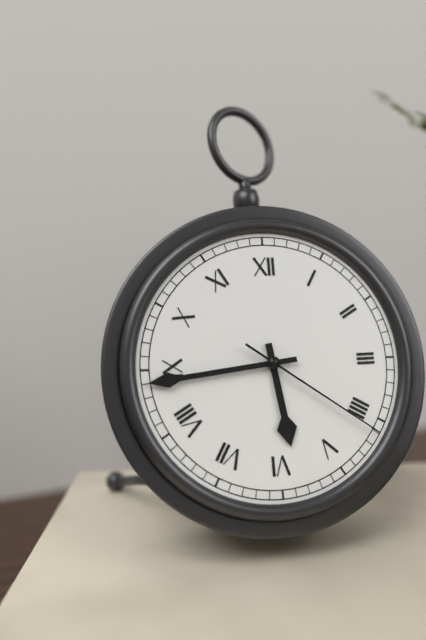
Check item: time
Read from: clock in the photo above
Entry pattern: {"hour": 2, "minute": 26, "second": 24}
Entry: {"hour": 5, "minute": 44, "second": 21}
